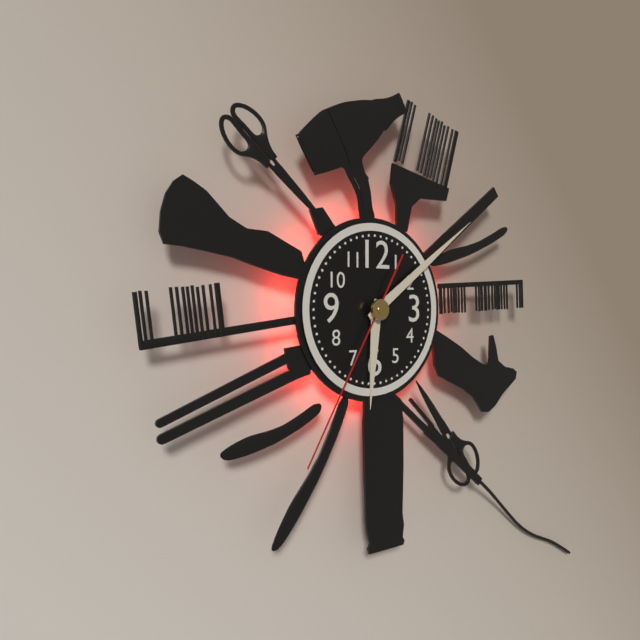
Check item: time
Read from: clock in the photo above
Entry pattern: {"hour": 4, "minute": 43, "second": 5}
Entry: {"hour": 6, "minute": 9, "second": 35}
